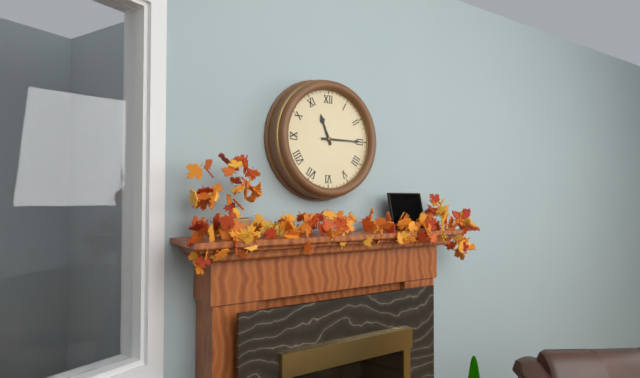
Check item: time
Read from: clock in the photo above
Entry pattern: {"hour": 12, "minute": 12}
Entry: {"hour": 11, "minute": 15}
